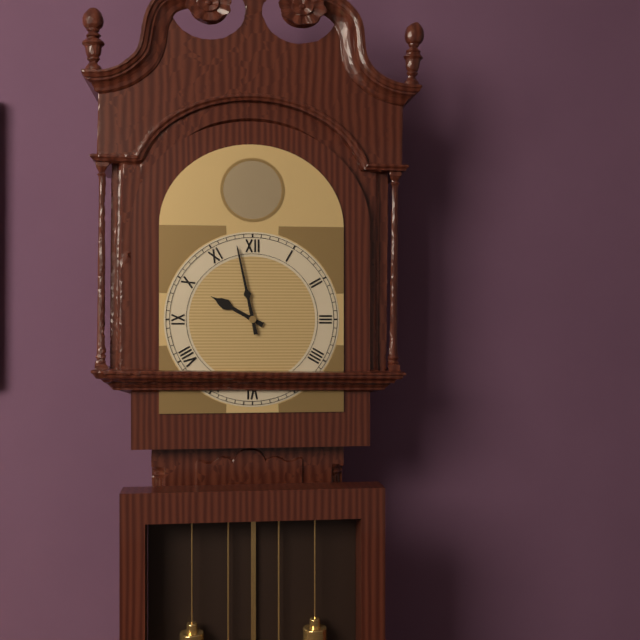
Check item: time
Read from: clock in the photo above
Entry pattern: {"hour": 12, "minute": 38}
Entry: {"hour": 9, "minute": 58}
